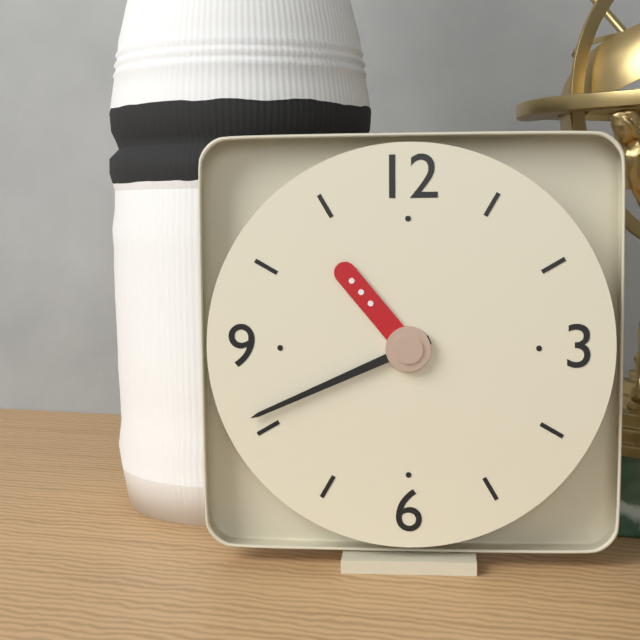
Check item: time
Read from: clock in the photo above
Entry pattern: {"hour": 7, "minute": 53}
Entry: {"hour": 10, "minute": 41}
